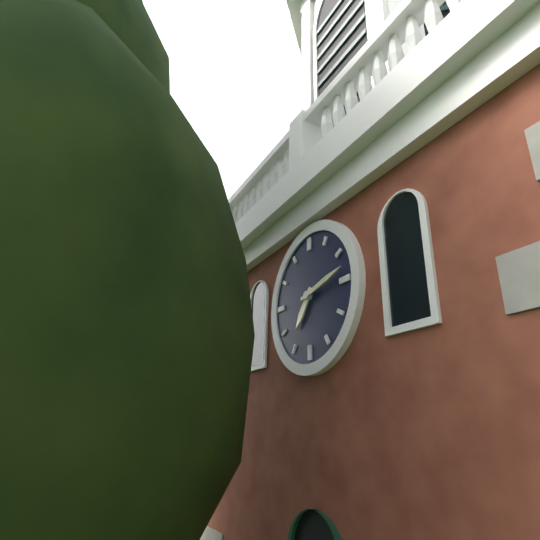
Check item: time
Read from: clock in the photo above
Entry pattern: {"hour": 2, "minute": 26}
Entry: {"hour": 7, "minute": 13}
